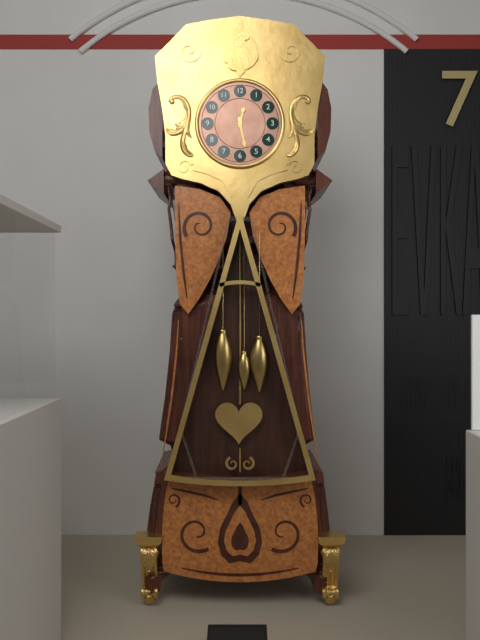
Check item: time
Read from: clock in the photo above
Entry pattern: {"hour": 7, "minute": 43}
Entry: {"hour": 12, "minute": 28}
